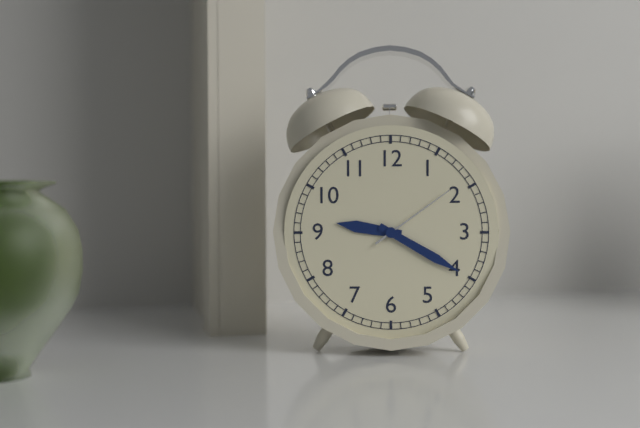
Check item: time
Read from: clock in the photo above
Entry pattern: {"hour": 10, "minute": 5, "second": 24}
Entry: {"hour": 9, "minute": 20, "second": 9}
